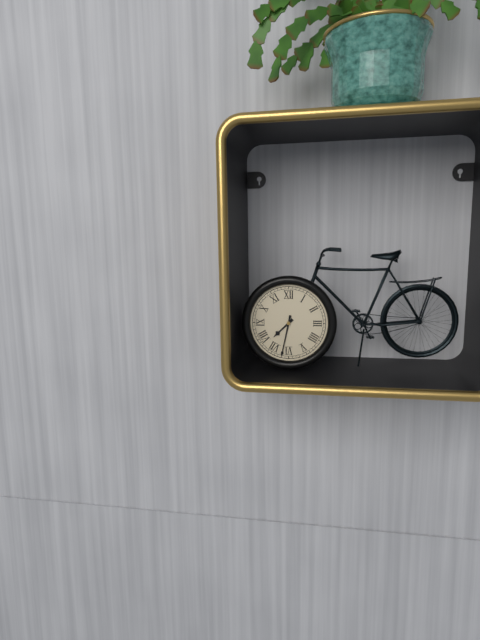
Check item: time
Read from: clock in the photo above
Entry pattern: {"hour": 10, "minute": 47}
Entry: {"hour": 7, "minute": 32}
